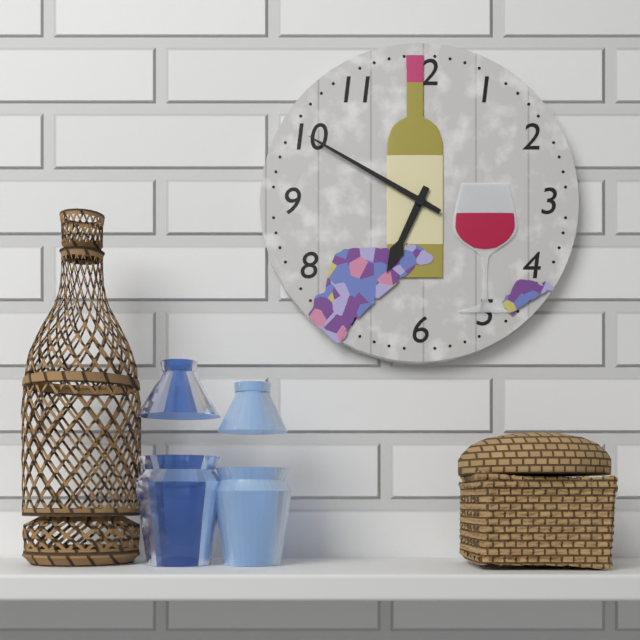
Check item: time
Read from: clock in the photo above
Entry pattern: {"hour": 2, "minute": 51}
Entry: {"hour": 6, "minute": 50}
